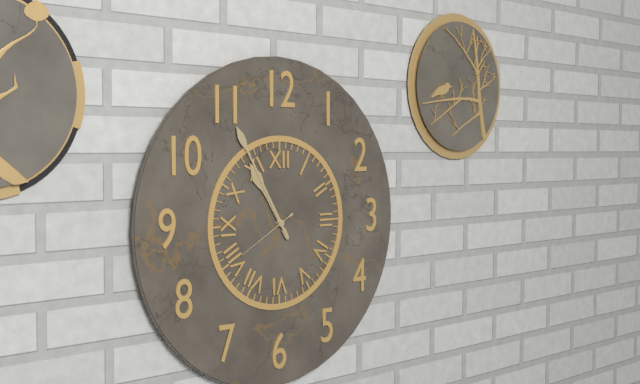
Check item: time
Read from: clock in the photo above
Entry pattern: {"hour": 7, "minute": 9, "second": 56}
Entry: {"hour": 10, "minute": 55, "second": 40}
